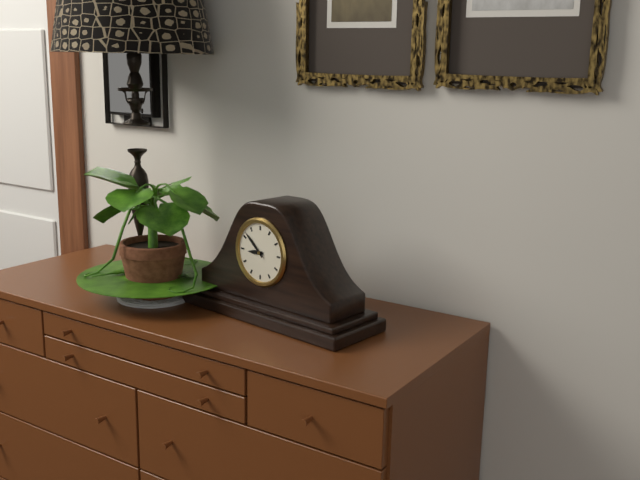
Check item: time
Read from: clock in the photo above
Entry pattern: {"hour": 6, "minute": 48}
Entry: {"hour": 8, "minute": 52}
